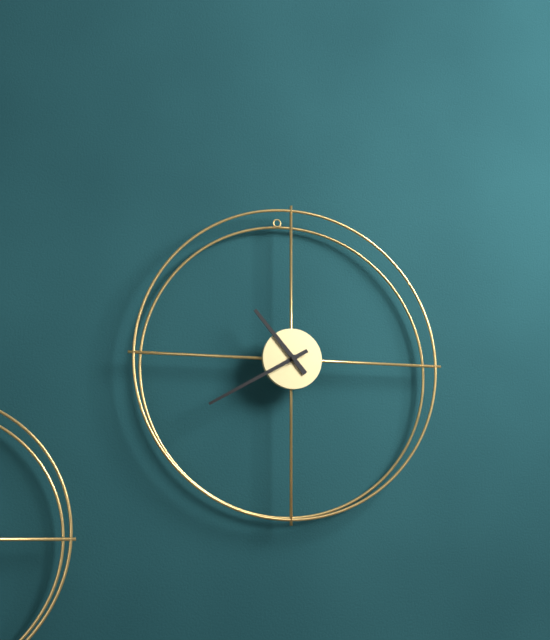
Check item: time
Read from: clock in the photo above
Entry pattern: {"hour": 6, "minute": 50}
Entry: {"hour": 10, "minute": 40}
